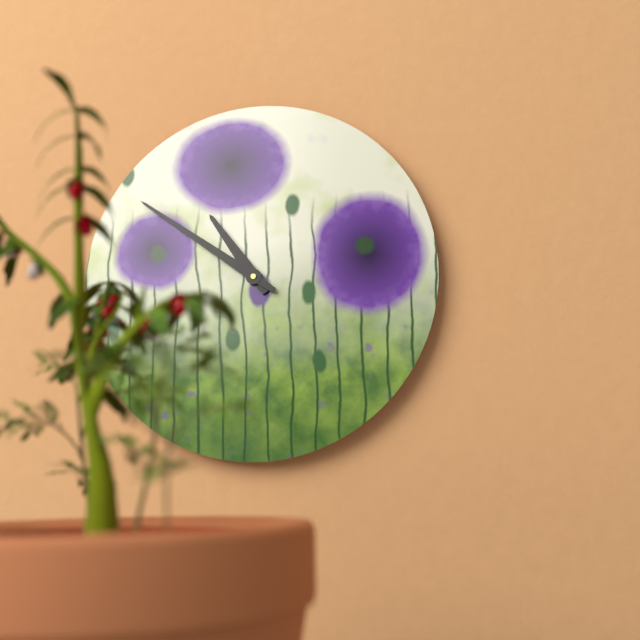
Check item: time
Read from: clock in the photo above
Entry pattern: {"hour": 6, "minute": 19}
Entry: {"hour": 10, "minute": 51}
